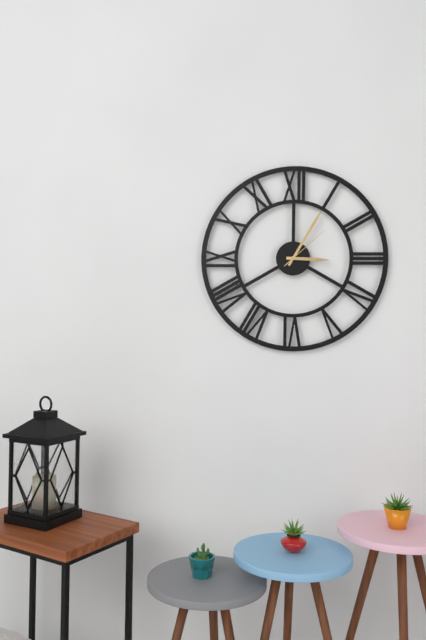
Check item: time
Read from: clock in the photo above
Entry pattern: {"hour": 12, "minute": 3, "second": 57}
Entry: {"hour": 3, "minute": 5, "second": 8}
